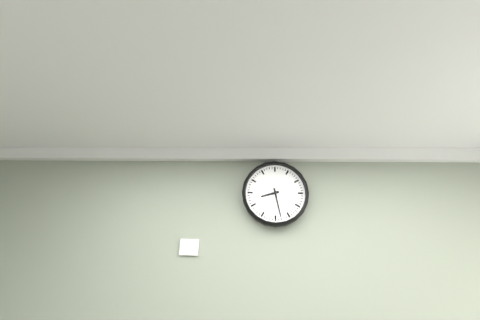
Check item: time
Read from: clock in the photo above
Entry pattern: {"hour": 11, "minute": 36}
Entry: {"hour": 8, "minute": 28}
